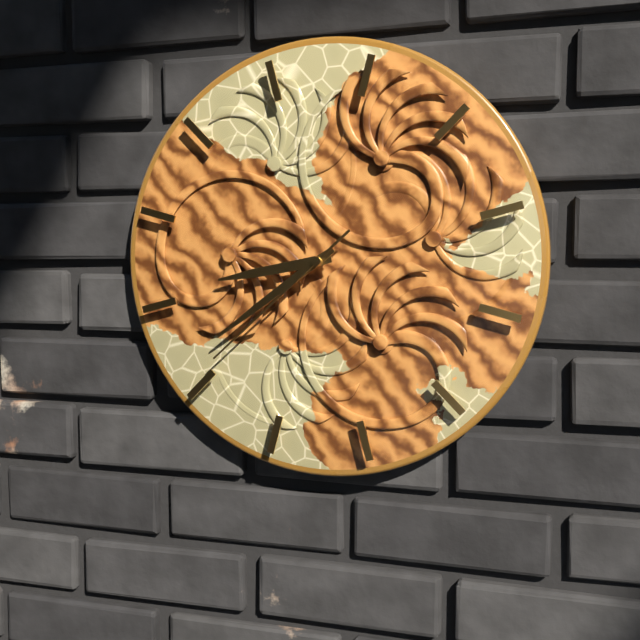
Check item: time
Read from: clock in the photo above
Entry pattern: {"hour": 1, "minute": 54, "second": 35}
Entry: {"hour": 8, "minute": 39, "second": 38}
